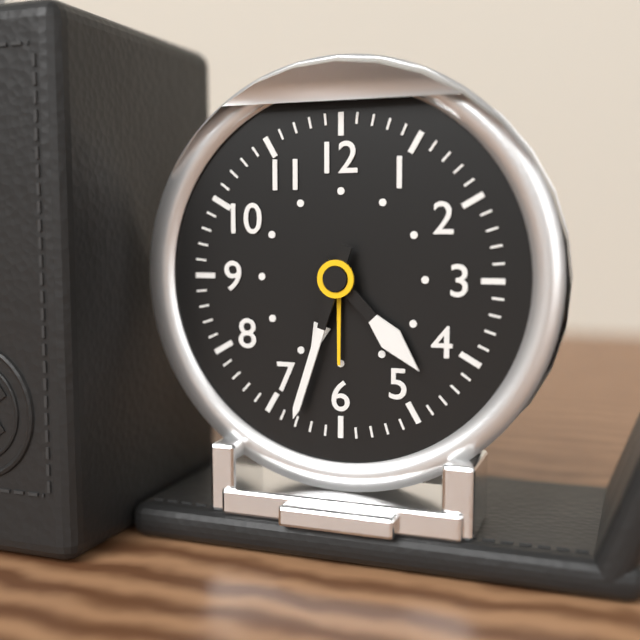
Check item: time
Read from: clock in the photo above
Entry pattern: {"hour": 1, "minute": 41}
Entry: {"hour": 4, "minute": 33}
